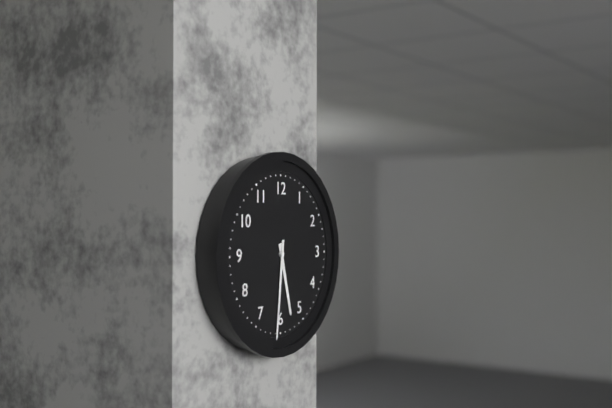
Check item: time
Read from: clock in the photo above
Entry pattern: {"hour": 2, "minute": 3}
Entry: {"hour": 5, "minute": 31}
